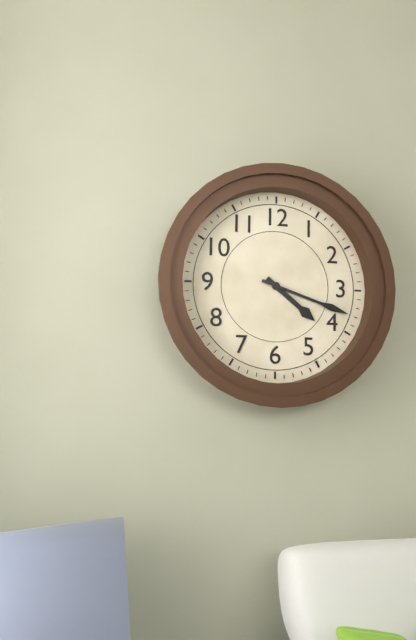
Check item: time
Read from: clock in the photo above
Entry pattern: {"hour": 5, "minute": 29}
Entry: {"hour": 4, "minute": 18}
